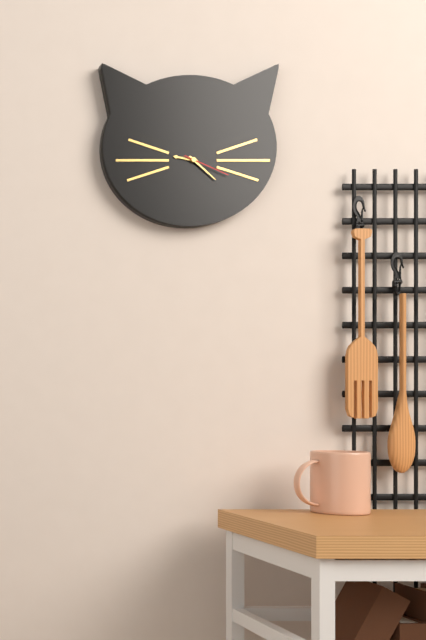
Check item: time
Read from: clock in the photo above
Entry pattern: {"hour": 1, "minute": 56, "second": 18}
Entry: {"hour": 9, "minute": 22, "second": 19}
